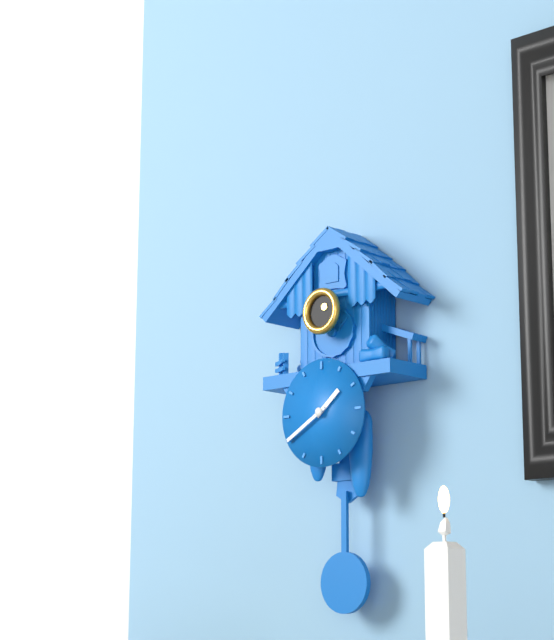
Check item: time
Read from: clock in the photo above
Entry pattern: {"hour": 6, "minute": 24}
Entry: {"hour": 1, "minute": 40}
